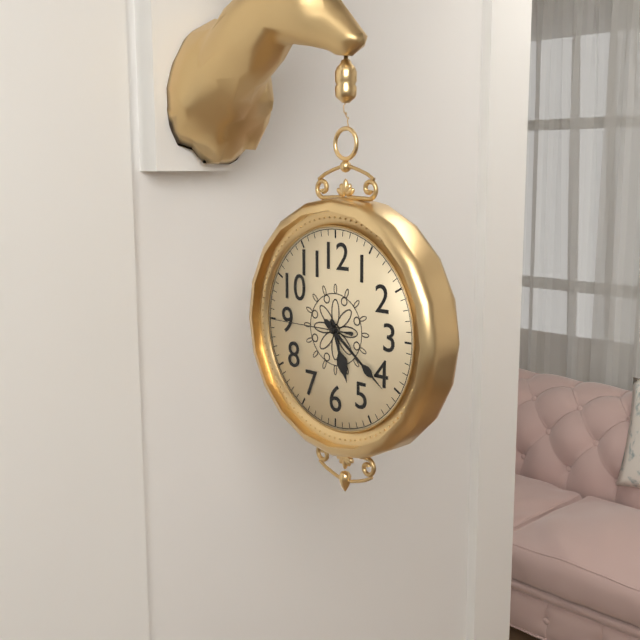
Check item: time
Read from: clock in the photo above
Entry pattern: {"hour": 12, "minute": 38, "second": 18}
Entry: {"hour": 5, "minute": 21, "second": 45}
